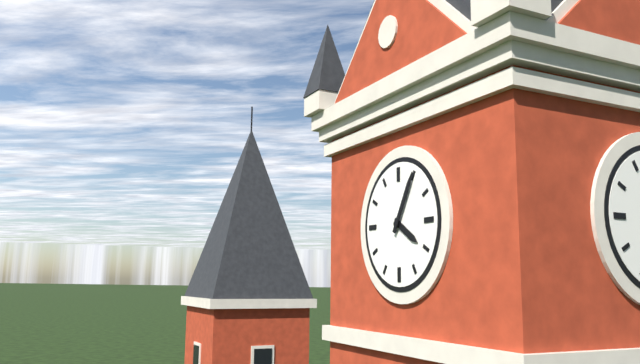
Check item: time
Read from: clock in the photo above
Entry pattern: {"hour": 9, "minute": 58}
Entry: {"hour": 4, "minute": 5}
